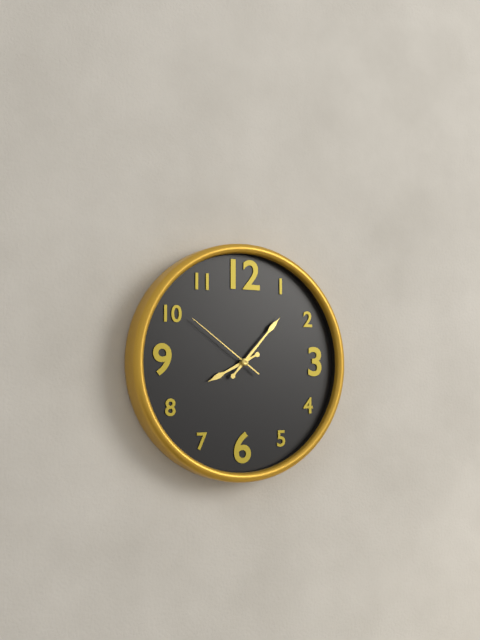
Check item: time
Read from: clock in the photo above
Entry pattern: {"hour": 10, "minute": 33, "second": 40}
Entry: {"hour": 8, "minute": 7, "second": 51}
